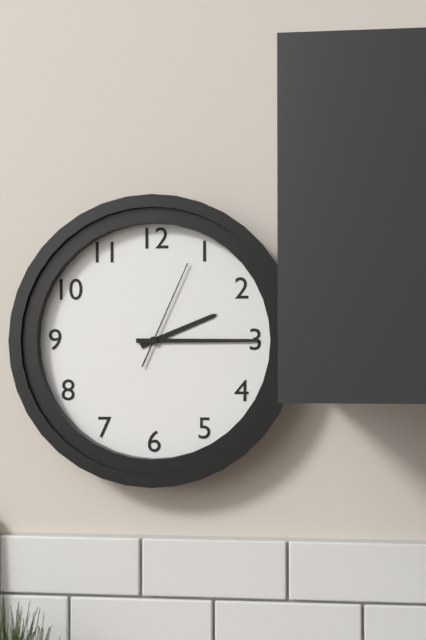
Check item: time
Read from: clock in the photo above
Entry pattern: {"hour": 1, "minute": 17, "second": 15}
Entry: {"hour": 2, "minute": 15, "second": 4}
